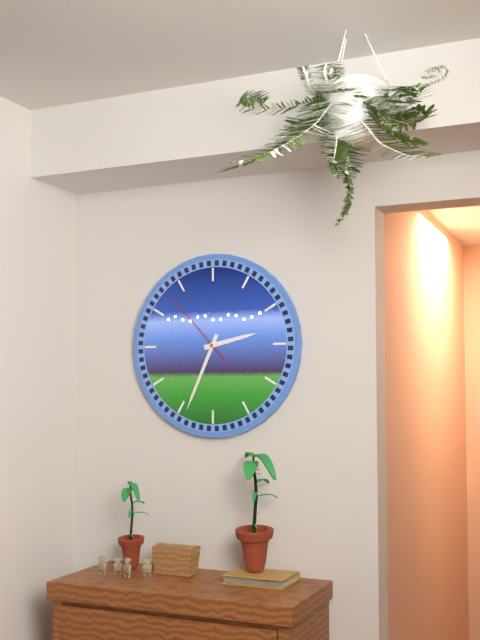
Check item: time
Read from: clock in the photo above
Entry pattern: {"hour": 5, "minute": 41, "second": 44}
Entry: {"hour": 2, "minute": 34, "second": 53}
